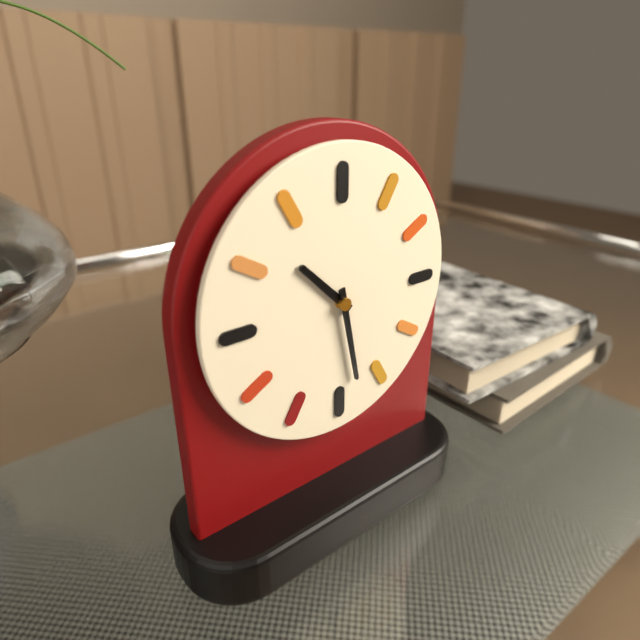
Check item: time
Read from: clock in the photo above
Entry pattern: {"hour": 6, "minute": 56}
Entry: {"hour": 10, "minute": 28}
